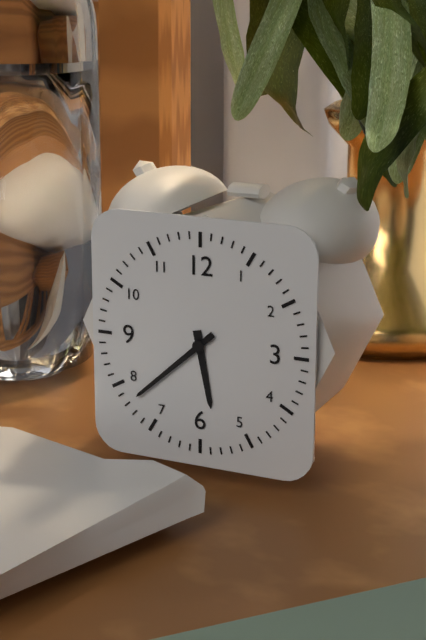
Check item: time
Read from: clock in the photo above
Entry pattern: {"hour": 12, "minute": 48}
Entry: {"hour": 5, "minute": 38}
